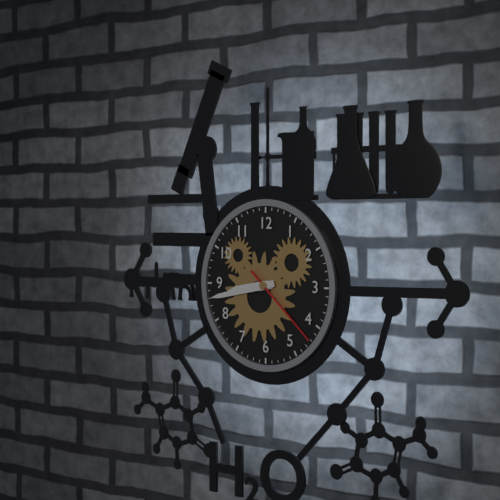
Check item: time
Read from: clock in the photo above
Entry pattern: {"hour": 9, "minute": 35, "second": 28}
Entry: {"hour": 8, "minute": 43, "second": 22}
